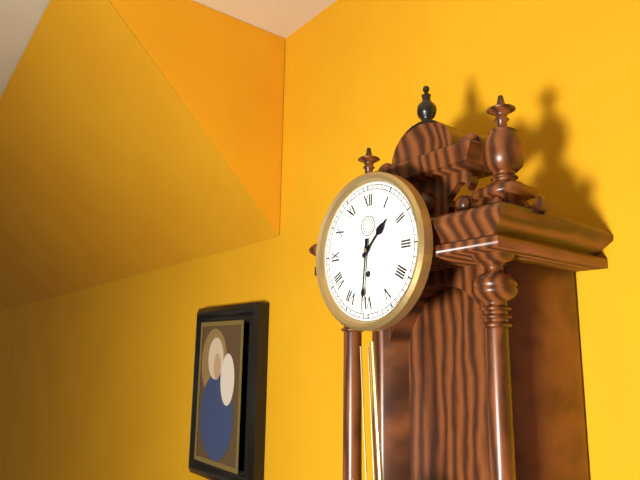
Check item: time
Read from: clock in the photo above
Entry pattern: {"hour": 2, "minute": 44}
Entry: {"hour": 1, "minute": 31}
